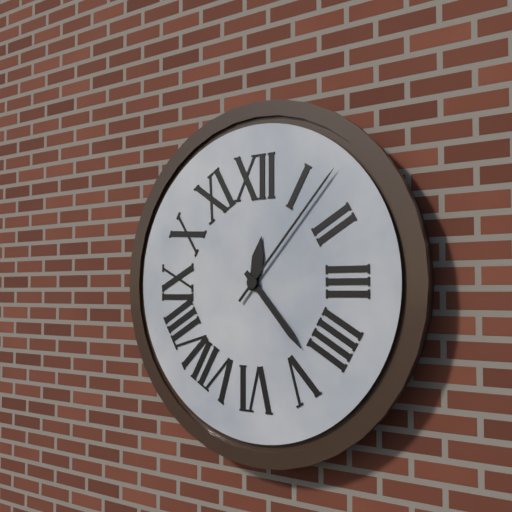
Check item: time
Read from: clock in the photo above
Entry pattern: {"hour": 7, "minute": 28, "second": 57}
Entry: {"hour": 12, "minute": 23, "second": 7}
